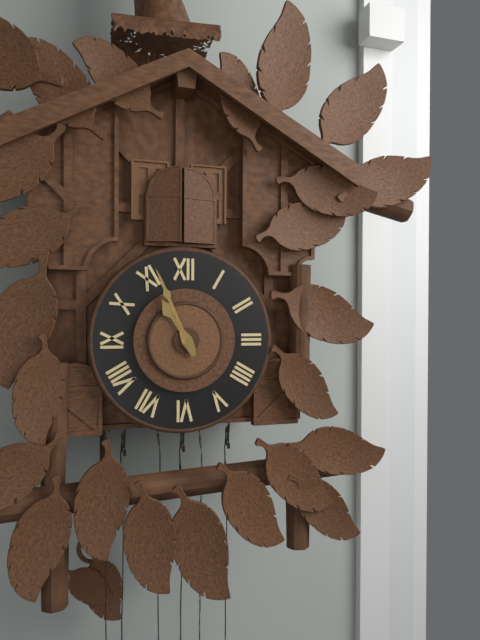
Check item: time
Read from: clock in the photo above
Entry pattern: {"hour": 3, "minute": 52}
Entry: {"hour": 10, "minute": 56}
